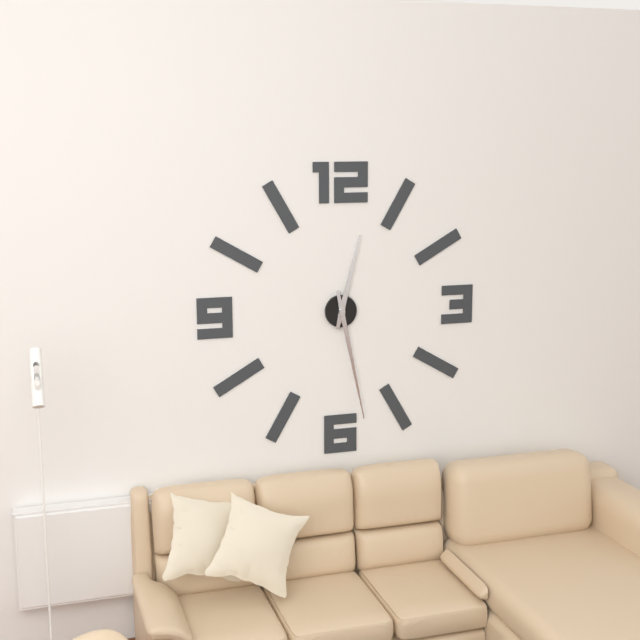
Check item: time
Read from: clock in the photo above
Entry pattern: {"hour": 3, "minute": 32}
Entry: {"hour": 12, "minute": 28}
